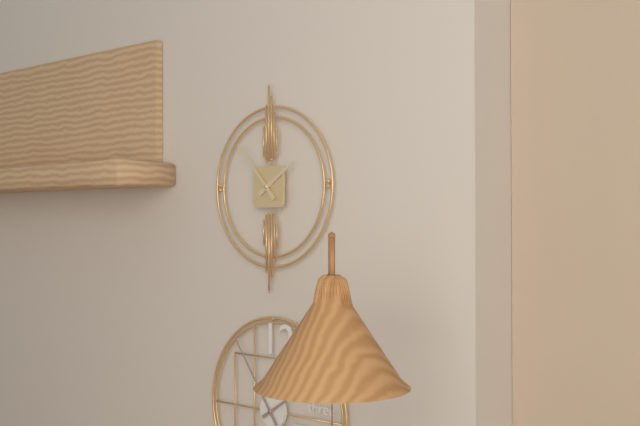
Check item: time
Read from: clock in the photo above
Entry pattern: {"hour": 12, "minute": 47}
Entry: {"hour": 1, "minute": 53}
